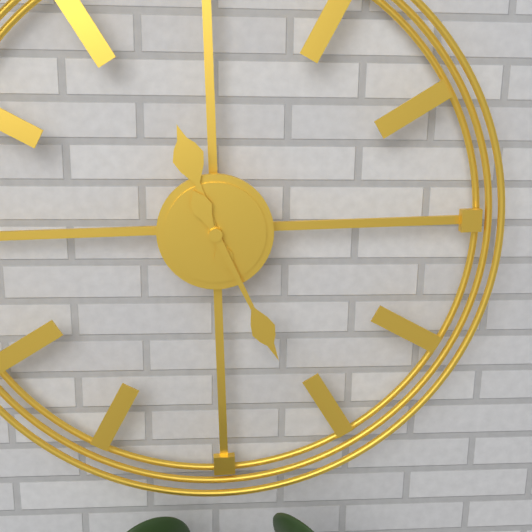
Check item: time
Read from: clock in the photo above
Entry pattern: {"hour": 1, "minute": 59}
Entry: {"hour": 11, "minute": 26}
